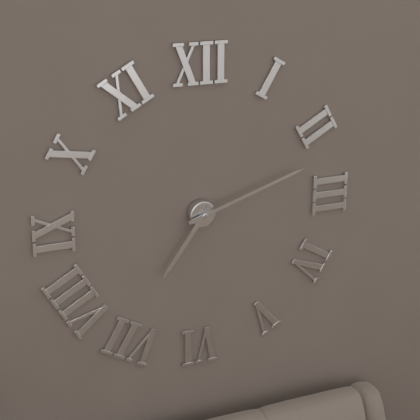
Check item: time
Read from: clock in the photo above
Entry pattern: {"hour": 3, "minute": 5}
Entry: {"hour": 7, "minute": 12}
